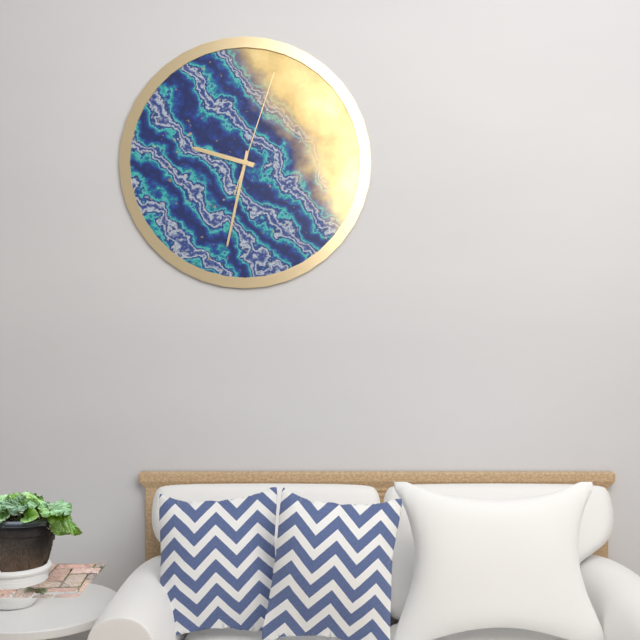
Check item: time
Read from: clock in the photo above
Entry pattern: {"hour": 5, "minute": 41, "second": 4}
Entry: {"hour": 9, "minute": 32, "second": 3}
